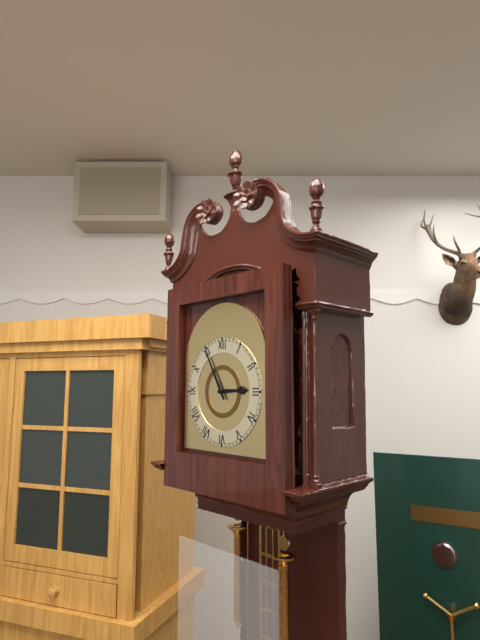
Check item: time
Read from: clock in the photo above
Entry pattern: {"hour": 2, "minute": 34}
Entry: {"hour": 2, "minute": 55}
